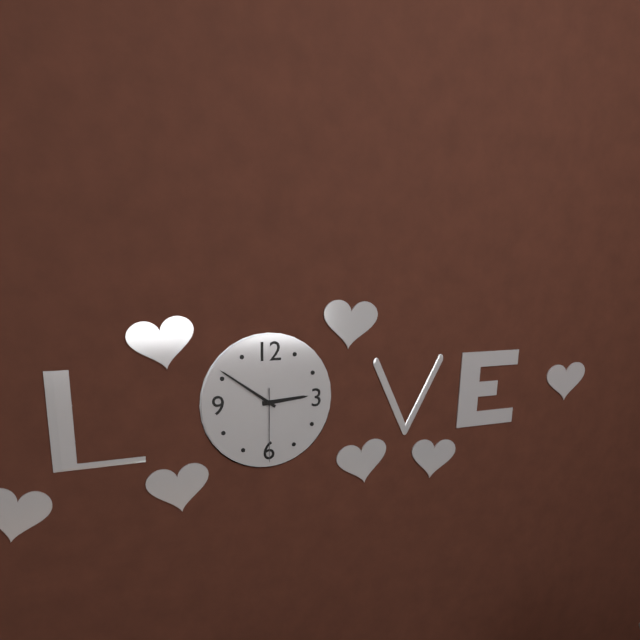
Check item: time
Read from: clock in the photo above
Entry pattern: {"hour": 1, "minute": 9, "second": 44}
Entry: {"hour": 2, "minute": 51, "second": 30}
